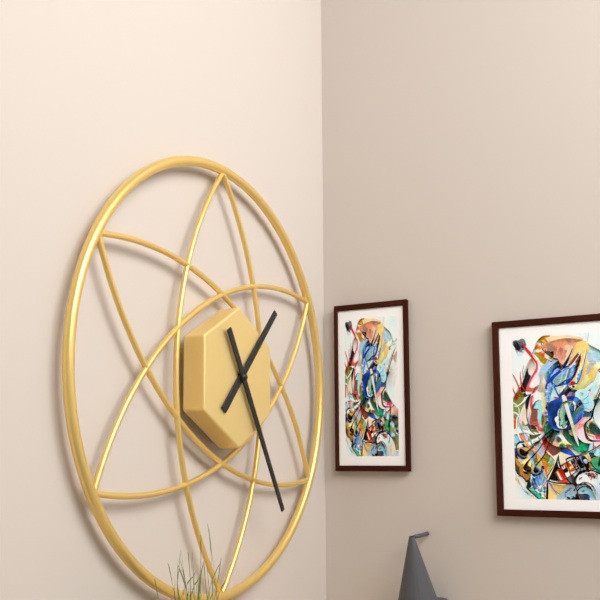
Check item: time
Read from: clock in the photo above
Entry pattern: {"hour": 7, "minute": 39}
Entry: {"hour": 1, "minute": 25}
